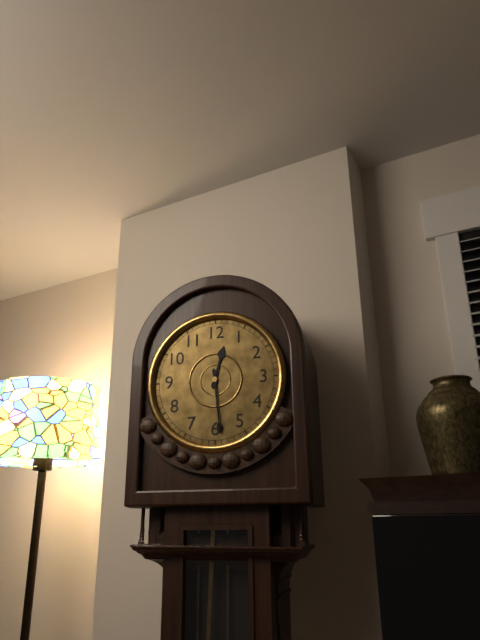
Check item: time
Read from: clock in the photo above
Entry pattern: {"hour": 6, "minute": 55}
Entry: {"hour": 12, "minute": 29}
